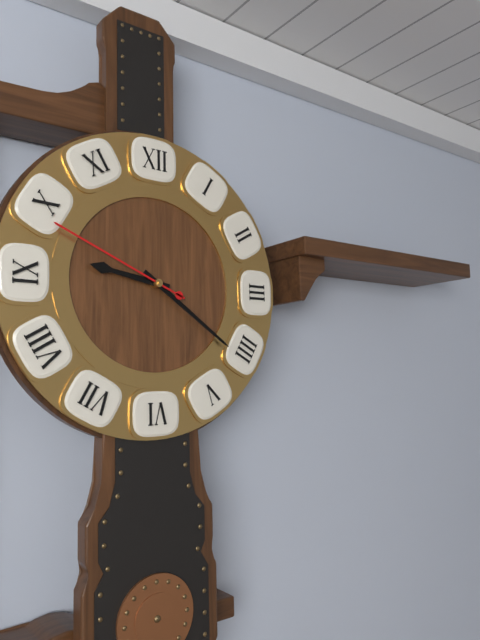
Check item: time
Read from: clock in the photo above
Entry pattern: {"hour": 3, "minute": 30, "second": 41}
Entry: {"hour": 9, "minute": 21, "second": 49}
